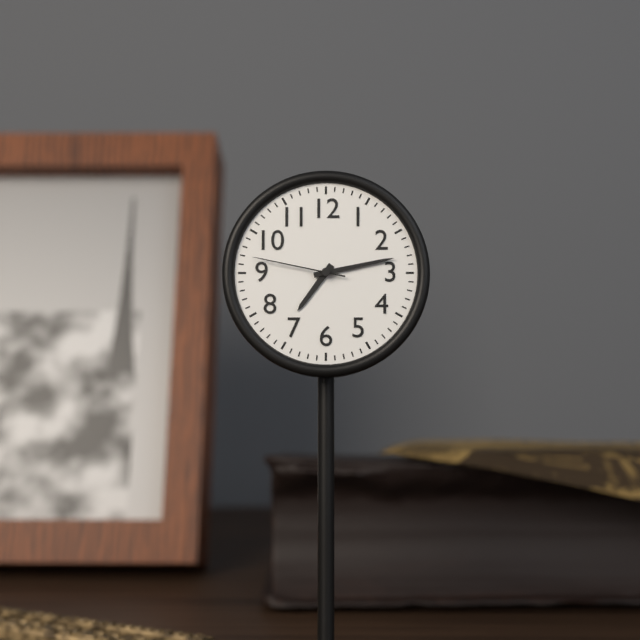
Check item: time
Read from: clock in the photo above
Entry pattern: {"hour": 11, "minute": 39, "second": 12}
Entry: {"hour": 7, "minute": 13, "second": 47}
